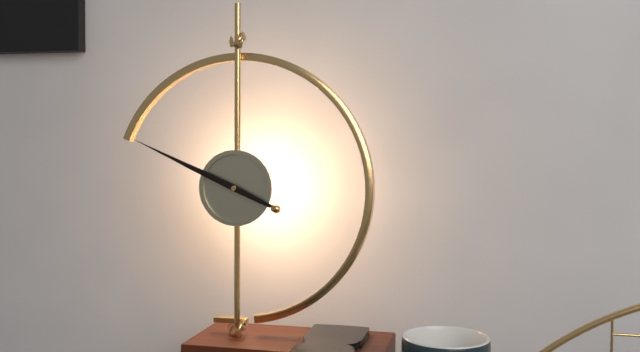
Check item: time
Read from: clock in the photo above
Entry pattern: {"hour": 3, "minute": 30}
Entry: {"hour": 9, "minute": 49}
